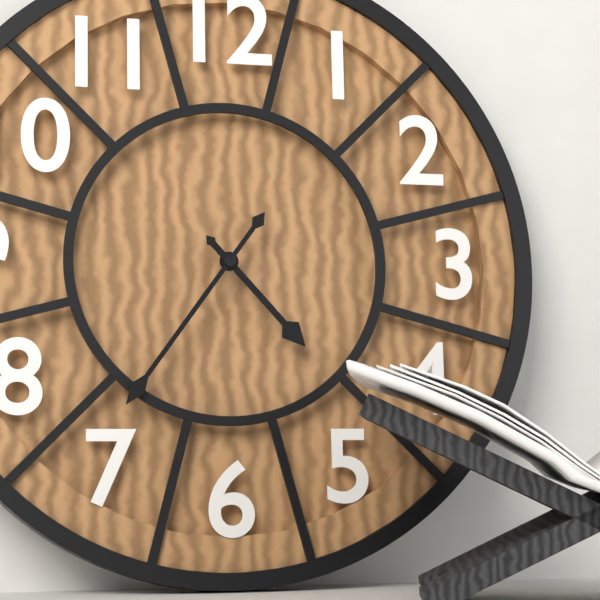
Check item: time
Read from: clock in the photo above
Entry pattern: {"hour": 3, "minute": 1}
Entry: {"hour": 4, "minute": 36}
